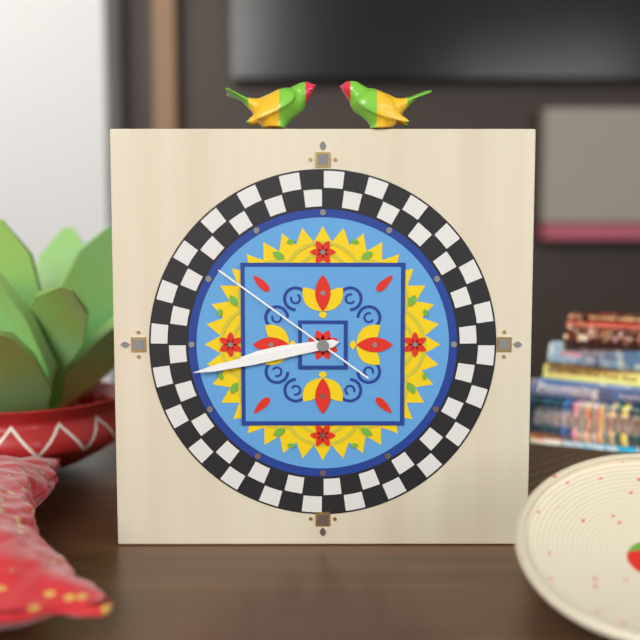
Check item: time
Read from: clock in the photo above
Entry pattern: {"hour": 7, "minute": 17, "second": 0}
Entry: {"hour": 8, "minute": 43, "second": 51}
